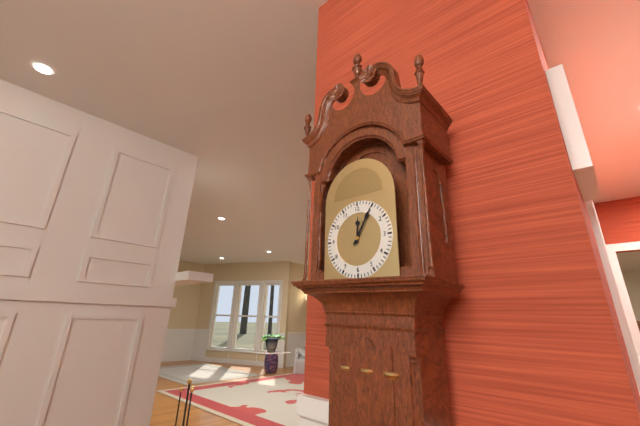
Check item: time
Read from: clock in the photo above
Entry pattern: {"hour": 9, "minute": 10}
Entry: {"hour": 12, "minute": 5}
